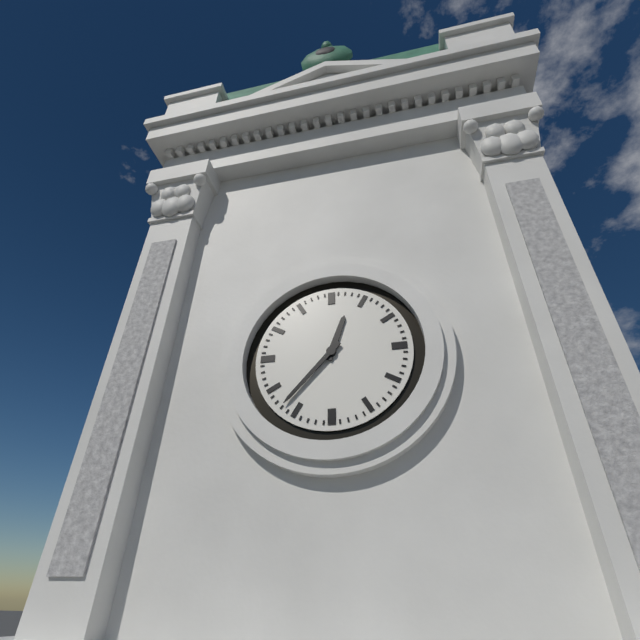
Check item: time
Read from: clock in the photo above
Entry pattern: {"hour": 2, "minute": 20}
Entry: {"hour": 12, "minute": 37}
